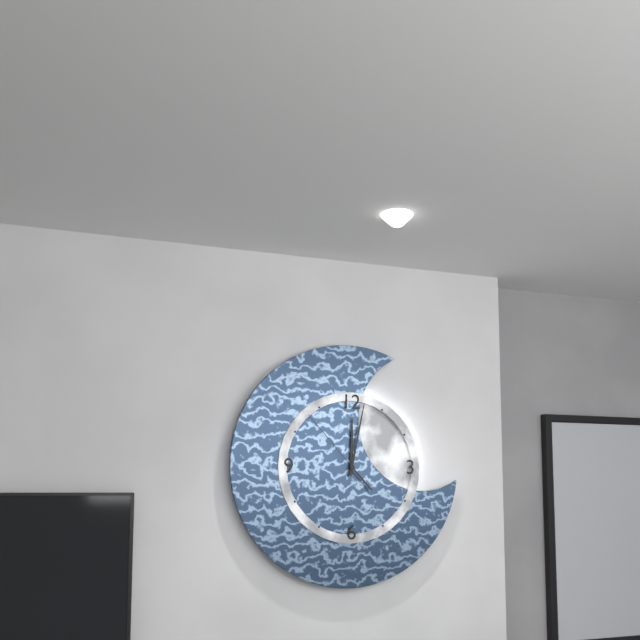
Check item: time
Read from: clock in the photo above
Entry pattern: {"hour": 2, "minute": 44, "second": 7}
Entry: {"hour": 12, "minute": 2, "second": 53}
